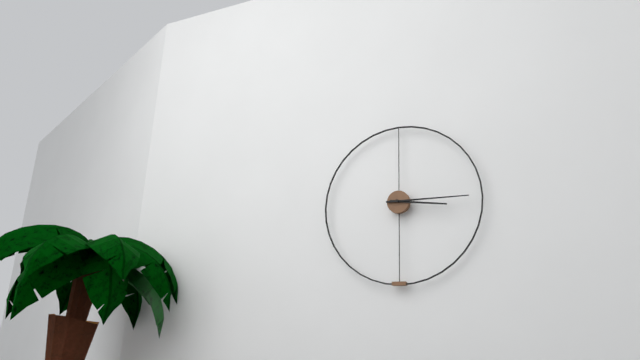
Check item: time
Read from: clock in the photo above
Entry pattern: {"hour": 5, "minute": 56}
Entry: {"hour": 3, "minute": 15}
